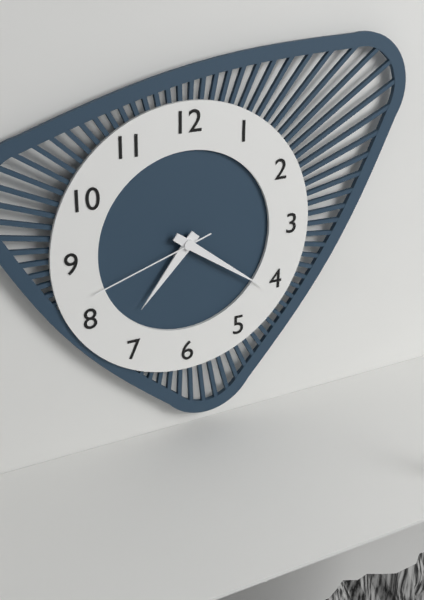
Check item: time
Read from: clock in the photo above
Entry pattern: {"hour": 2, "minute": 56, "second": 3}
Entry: {"hour": 7, "minute": 21, "second": 42}
